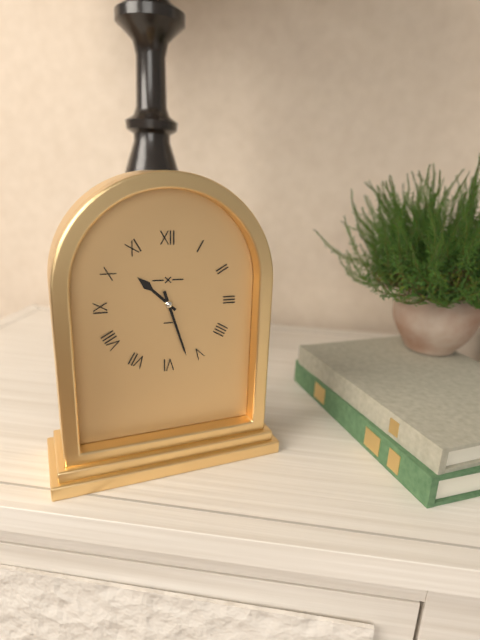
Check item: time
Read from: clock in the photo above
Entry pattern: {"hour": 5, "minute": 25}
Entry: {"hour": 10, "minute": 27}
